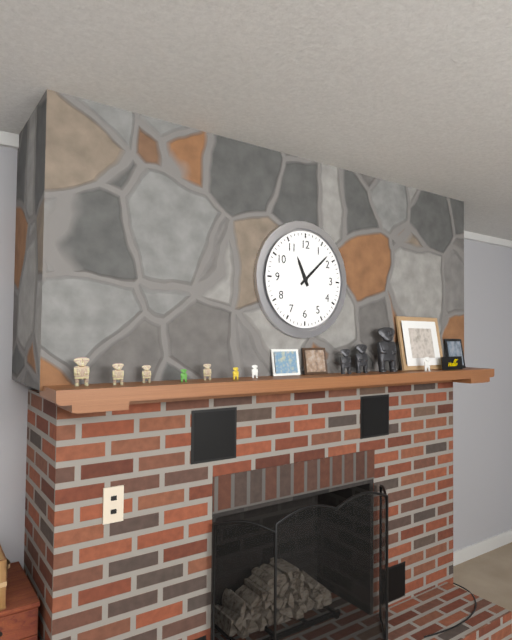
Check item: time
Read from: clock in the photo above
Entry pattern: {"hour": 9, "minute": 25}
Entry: {"hour": 11, "minute": 8}
